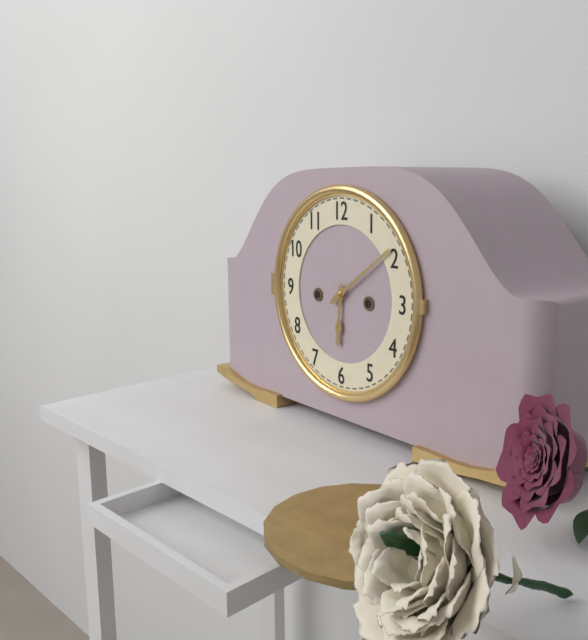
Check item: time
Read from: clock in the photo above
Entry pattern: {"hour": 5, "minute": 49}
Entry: {"hour": 6, "minute": 9}
